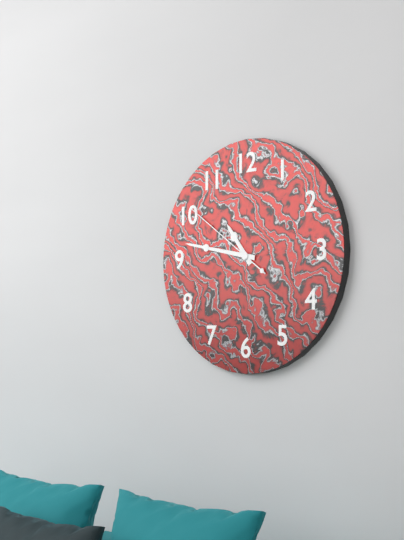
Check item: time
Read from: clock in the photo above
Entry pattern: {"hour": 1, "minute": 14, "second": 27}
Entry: {"hour": 10, "minute": 47, "second": 51}
